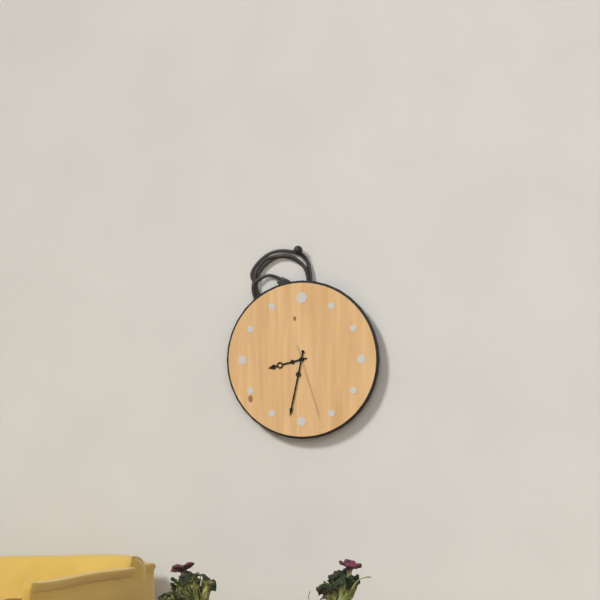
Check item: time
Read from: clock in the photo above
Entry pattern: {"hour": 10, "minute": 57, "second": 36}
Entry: {"hour": 8, "minute": 32, "second": 27}
